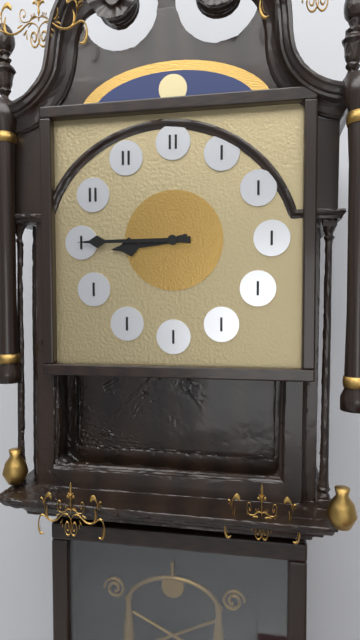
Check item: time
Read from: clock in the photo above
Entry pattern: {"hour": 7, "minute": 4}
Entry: {"hour": 8, "minute": 45}
